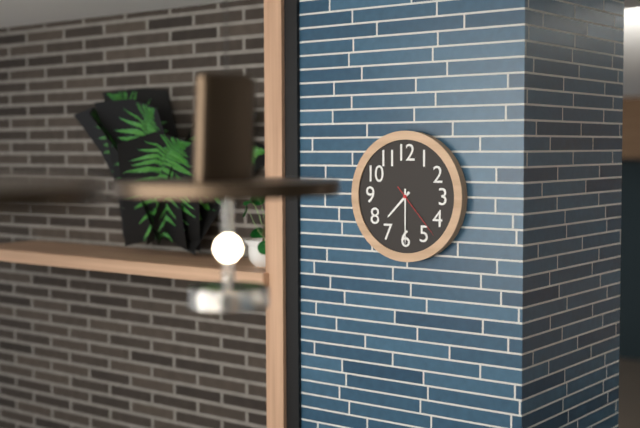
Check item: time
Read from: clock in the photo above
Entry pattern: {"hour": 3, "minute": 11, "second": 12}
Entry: {"hour": 7, "minute": 30, "second": 23}
